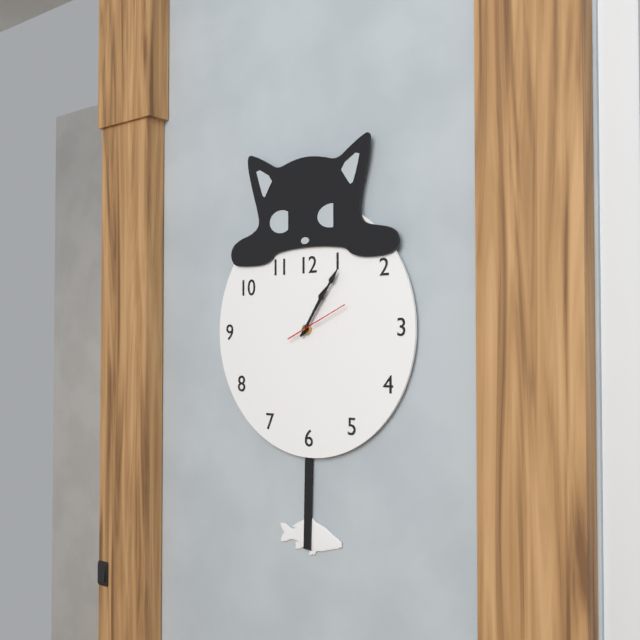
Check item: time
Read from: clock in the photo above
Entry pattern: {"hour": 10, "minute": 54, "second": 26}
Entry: {"hour": 1, "minute": 6, "second": 11}
